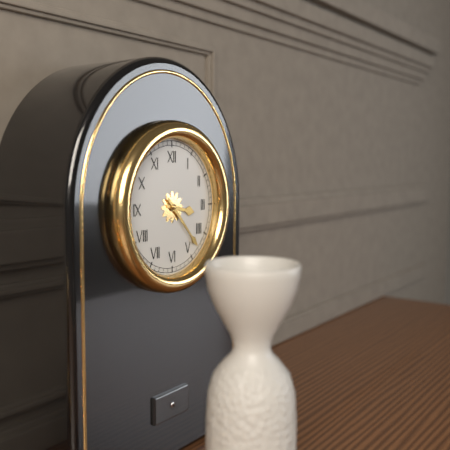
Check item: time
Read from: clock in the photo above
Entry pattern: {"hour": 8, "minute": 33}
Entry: {"hour": 3, "minute": 23}
